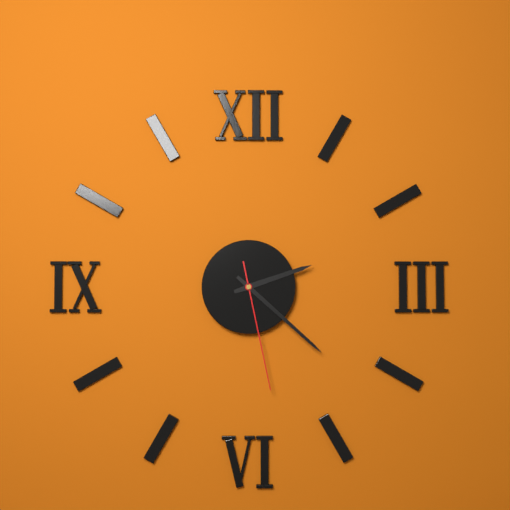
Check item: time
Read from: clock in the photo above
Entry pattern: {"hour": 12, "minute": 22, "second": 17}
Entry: {"hour": 2, "minute": 22, "second": 28}
